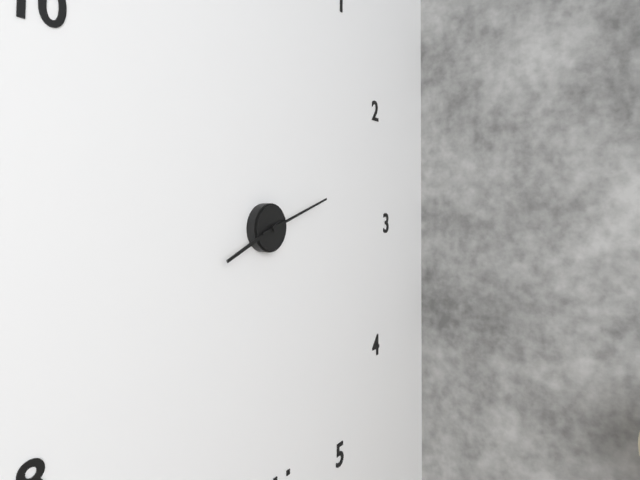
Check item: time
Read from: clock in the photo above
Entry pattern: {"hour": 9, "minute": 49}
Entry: {"hour": 8, "minute": 12}
